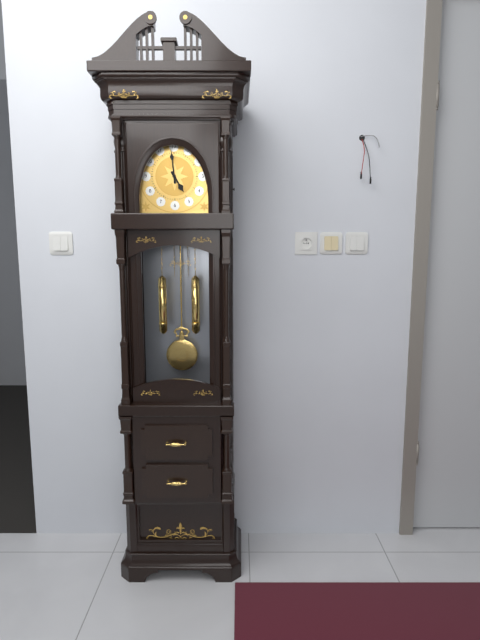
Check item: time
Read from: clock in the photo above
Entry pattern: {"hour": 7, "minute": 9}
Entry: {"hour": 4, "minute": 59}
